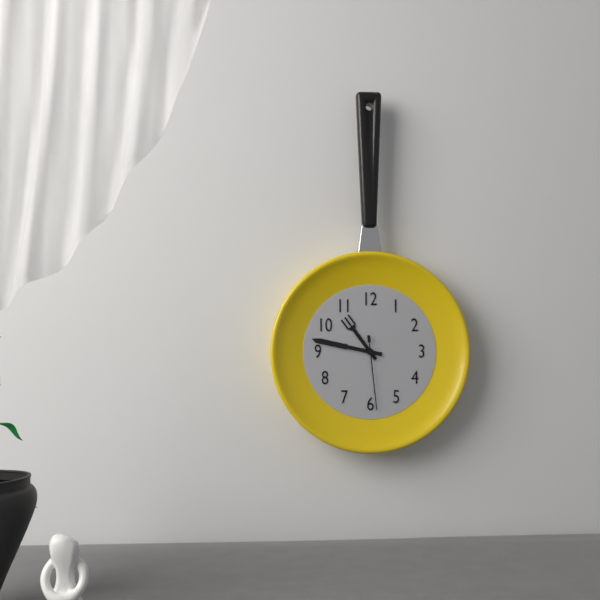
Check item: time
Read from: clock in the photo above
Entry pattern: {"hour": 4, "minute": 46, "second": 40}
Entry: {"hour": 10, "minute": 47, "second": 29}
